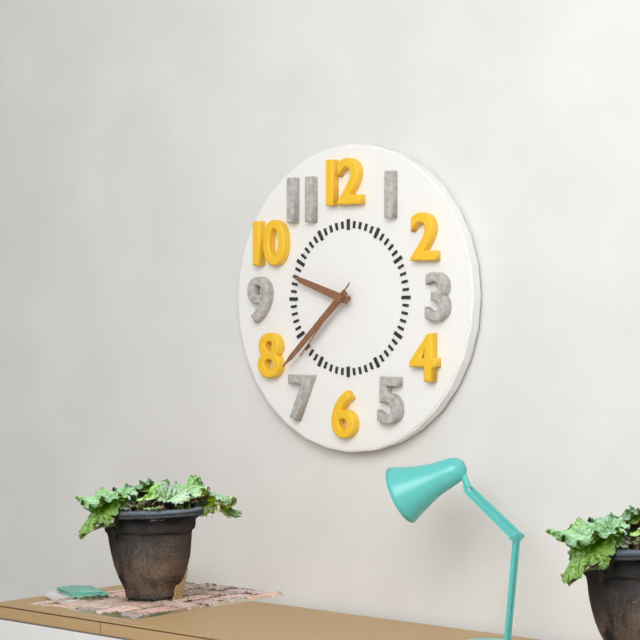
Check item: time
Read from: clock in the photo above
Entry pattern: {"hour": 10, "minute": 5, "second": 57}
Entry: {"hour": 9, "minute": 38, "second": 37}
